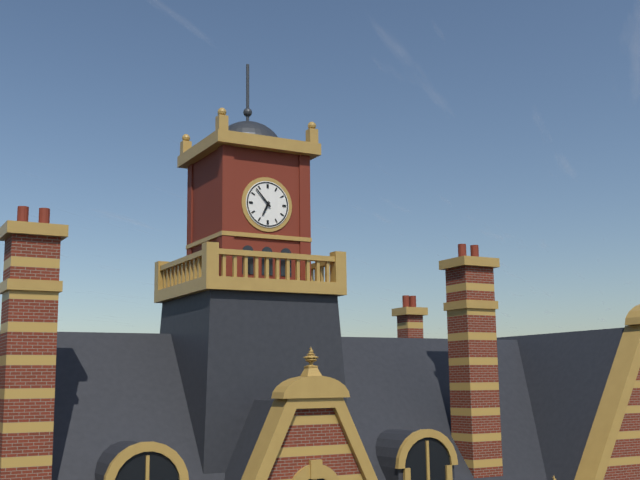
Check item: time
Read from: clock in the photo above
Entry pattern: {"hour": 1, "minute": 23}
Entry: {"hour": 6, "minute": 53}
